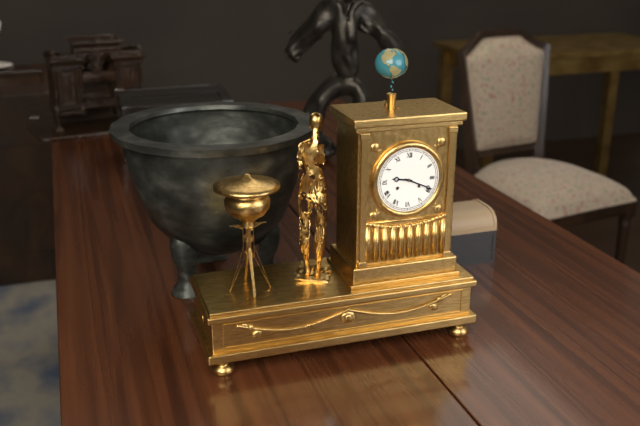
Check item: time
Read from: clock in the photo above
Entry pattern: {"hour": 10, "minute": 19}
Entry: {"hour": 9, "minute": 19}
